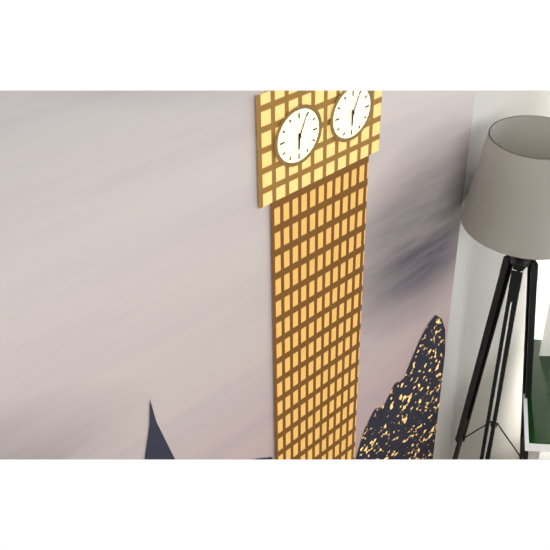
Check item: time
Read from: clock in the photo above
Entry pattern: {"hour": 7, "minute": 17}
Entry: {"hour": 6, "minute": 4}
